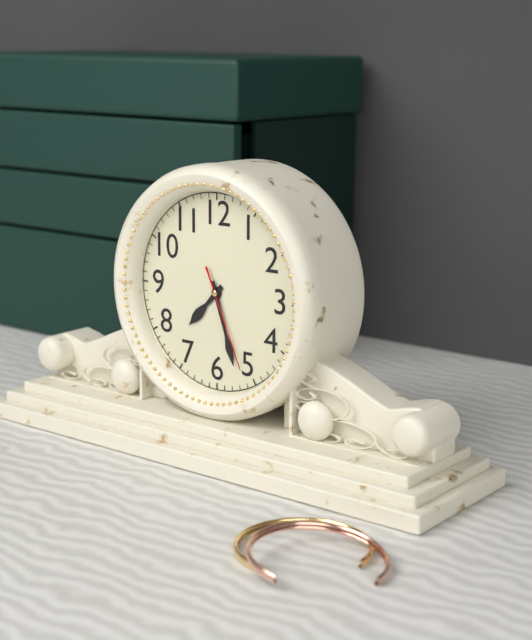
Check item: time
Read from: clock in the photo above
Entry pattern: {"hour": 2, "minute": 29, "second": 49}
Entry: {"hour": 7, "minute": 27, "second": 26}
